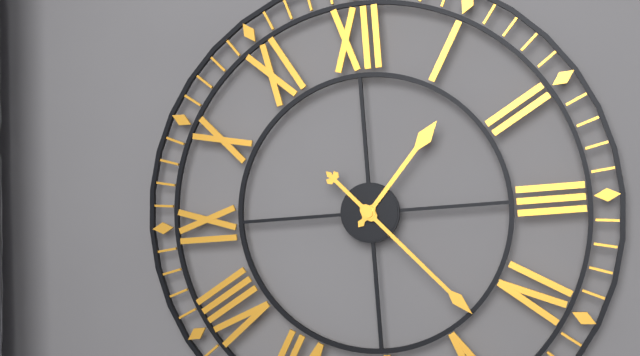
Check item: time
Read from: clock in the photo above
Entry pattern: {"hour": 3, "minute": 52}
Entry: {"hour": 1, "minute": 23}
